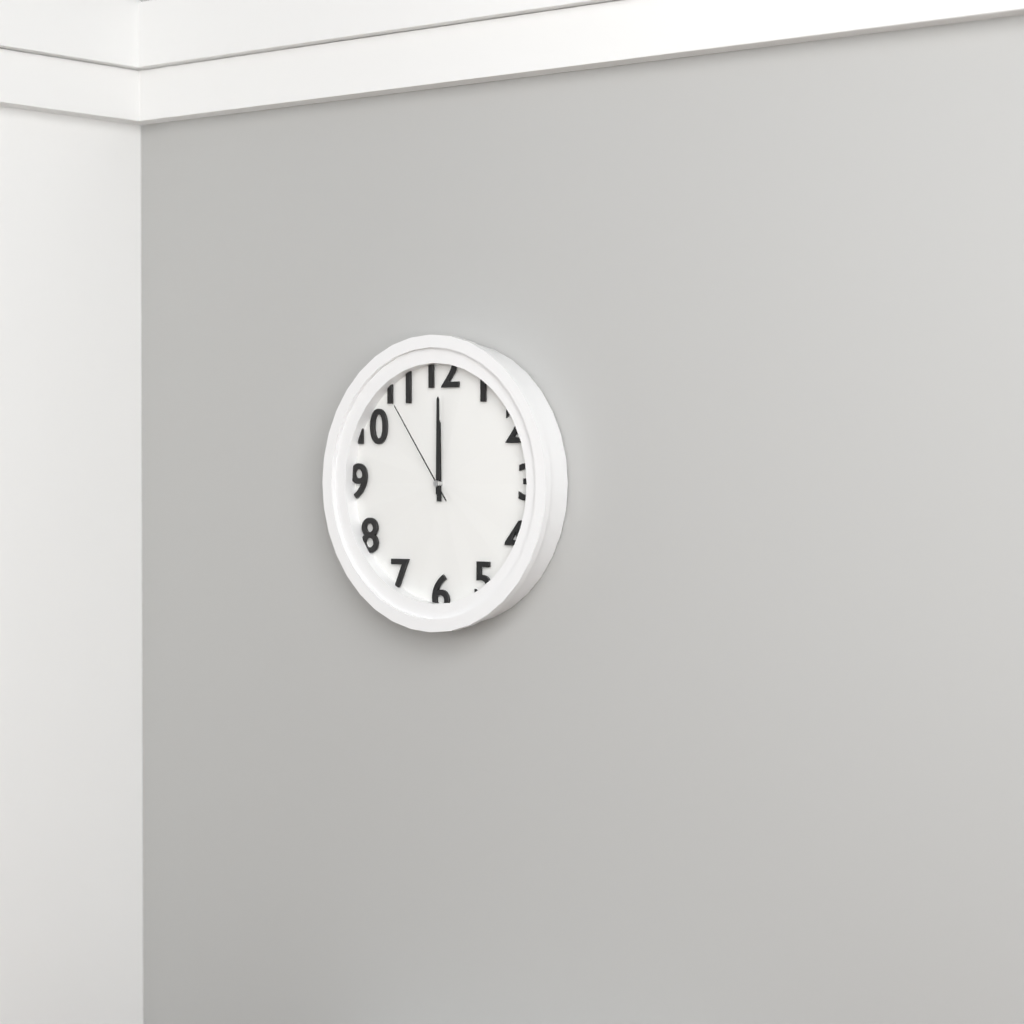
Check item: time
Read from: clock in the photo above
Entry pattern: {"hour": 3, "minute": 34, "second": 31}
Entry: {"hour": 12, "minute": 0, "second": 54}
